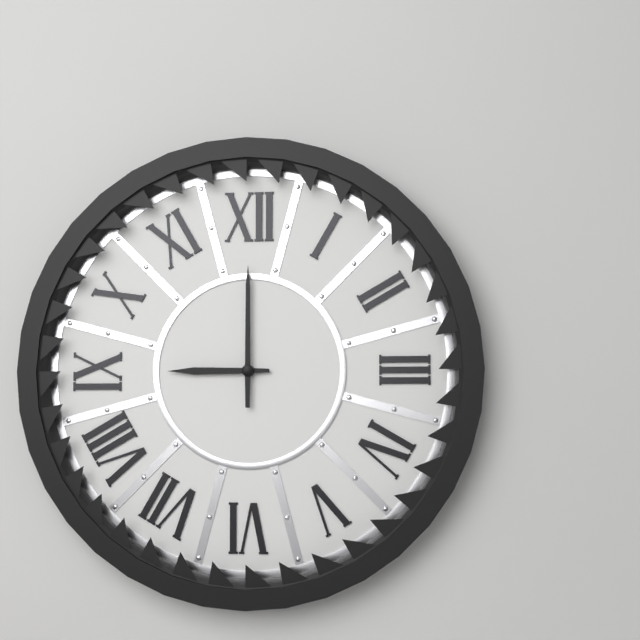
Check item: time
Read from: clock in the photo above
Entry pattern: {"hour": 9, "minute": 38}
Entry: {"hour": 9, "minute": 0}
